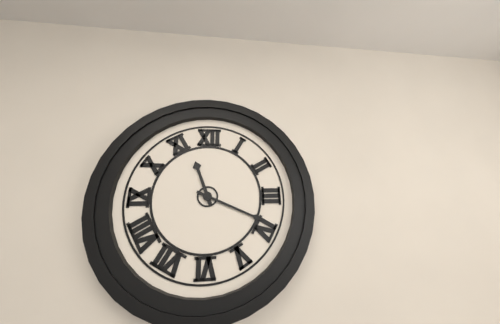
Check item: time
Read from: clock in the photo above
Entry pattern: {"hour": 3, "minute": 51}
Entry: {"hour": 11, "minute": 19}
